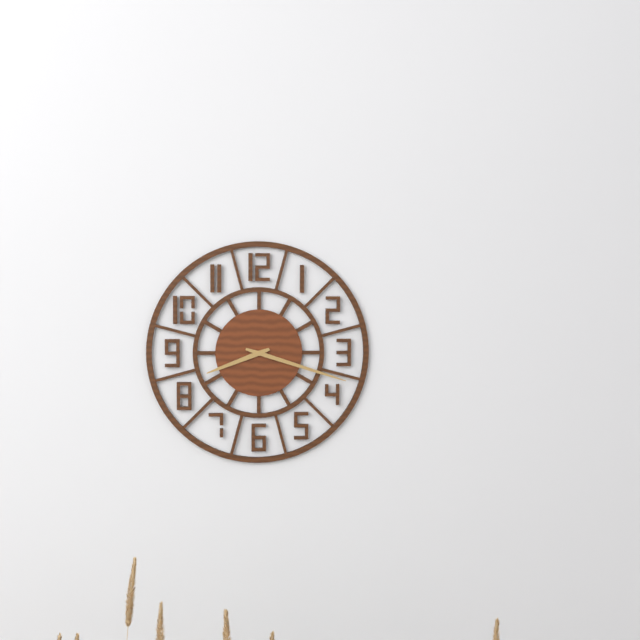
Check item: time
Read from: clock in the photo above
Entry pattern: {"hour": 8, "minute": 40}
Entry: {"hour": 8, "minute": 18}
